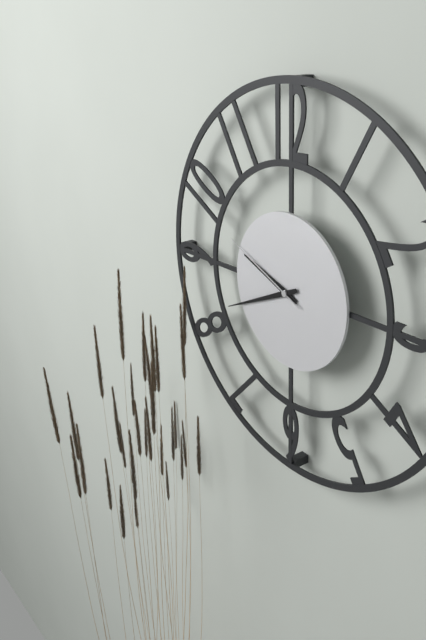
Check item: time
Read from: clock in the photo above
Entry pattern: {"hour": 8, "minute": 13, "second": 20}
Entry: {"hour": 9, "minute": 41, "second": 49}
